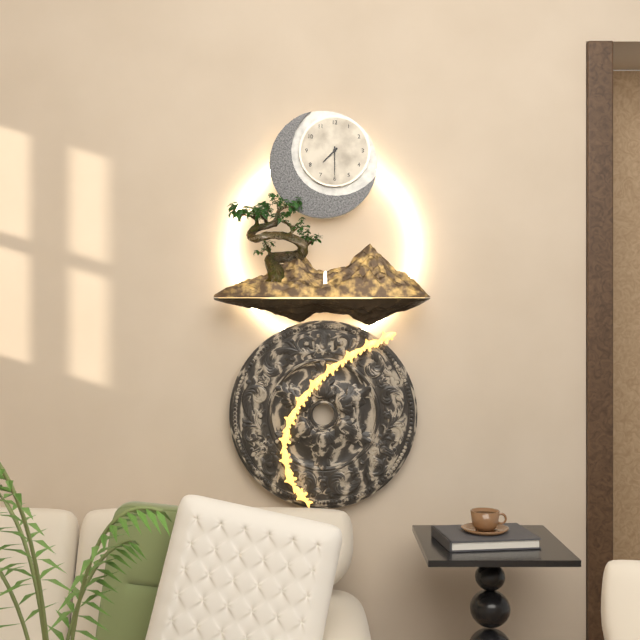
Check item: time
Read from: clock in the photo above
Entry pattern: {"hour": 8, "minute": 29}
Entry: {"hour": 7, "minute": 30}
